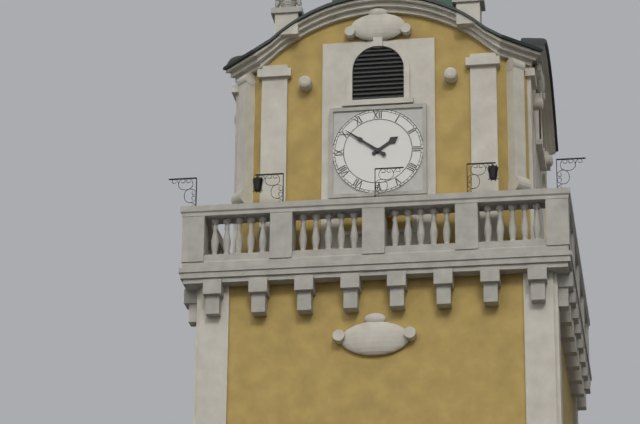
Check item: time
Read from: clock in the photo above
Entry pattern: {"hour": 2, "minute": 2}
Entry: {"hour": 1, "minute": 51}
